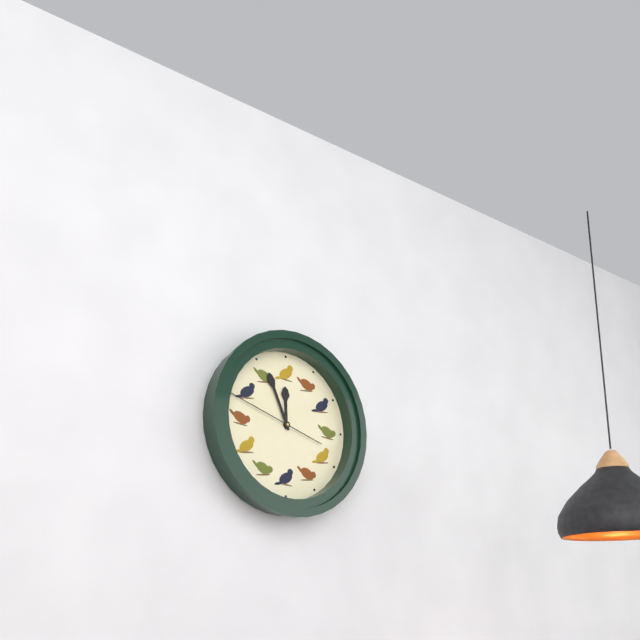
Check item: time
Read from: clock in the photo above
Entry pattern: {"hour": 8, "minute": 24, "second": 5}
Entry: {"hour": 11, "minute": 56, "second": 48}
